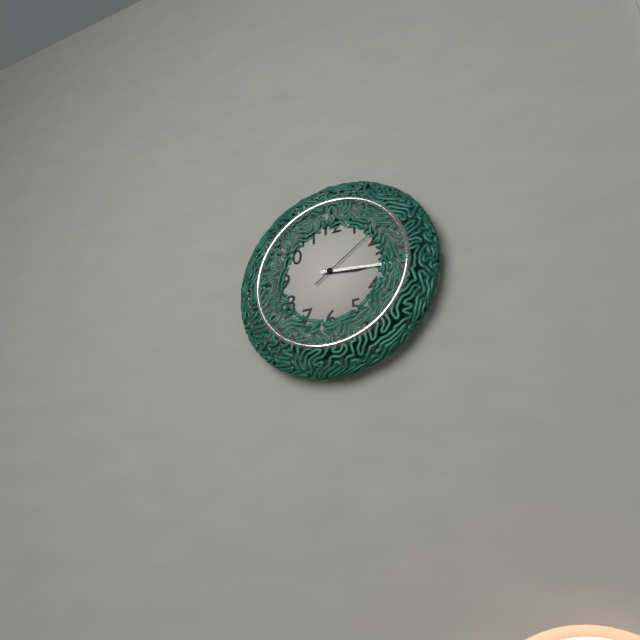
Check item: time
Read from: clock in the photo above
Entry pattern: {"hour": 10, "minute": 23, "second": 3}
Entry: {"hour": 3, "minute": 16, "second": 9}
